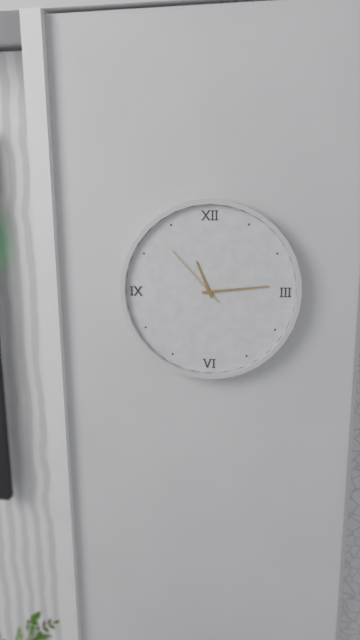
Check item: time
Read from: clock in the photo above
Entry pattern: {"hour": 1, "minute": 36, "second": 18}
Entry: {"hour": 11, "minute": 14, "second": 53}
